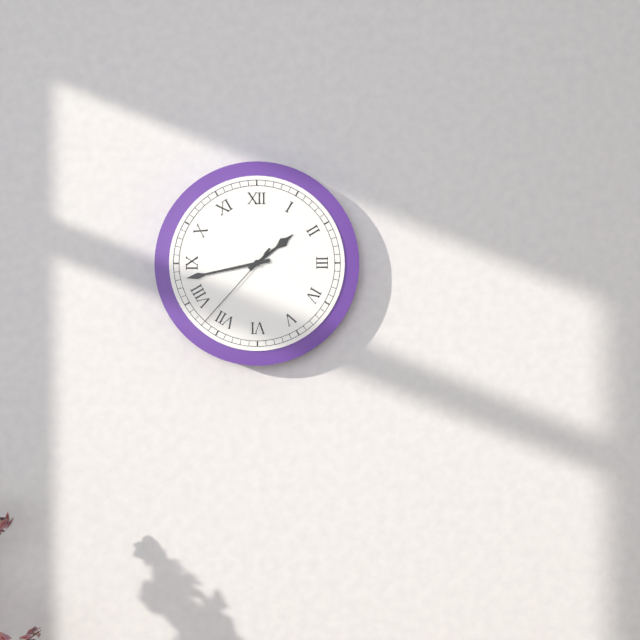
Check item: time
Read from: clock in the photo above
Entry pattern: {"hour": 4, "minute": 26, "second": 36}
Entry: {"hour": 1, "minute": 43, "second": 37}
